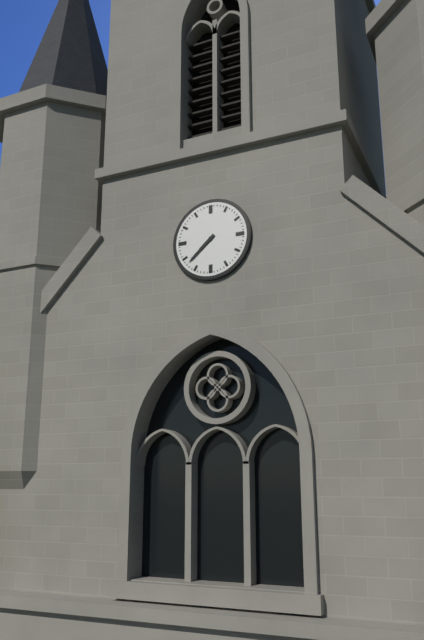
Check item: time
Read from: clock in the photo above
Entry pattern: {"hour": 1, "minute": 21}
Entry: {"hour": 7, "minute": 38}
